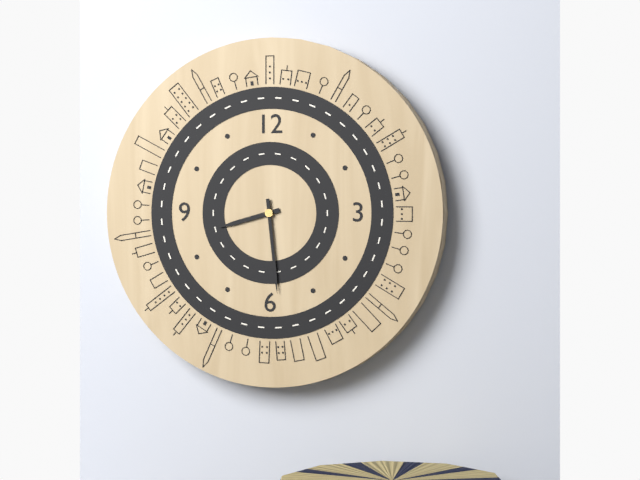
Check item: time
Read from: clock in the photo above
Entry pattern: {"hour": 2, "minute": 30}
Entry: {"hour": 8, "minute": 29}
